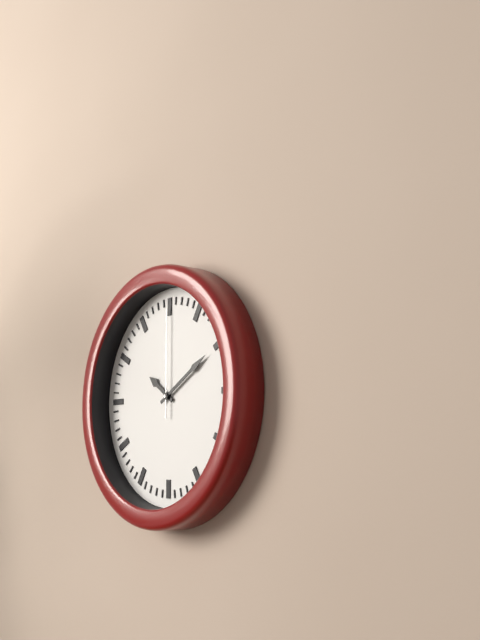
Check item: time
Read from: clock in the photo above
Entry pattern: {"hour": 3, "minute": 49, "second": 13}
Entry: {"hour": 10, "minute": 10, "second": 0}
